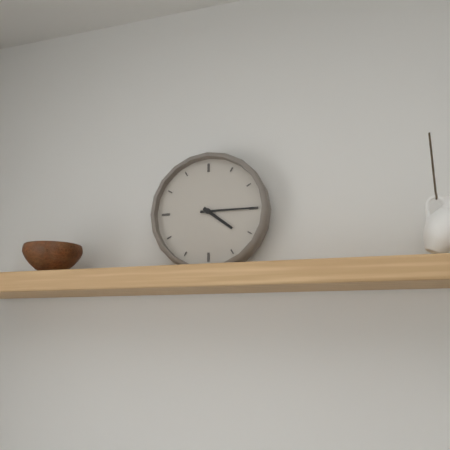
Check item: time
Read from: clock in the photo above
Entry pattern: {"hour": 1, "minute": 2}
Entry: {"hour": 4, "minute": 15}
